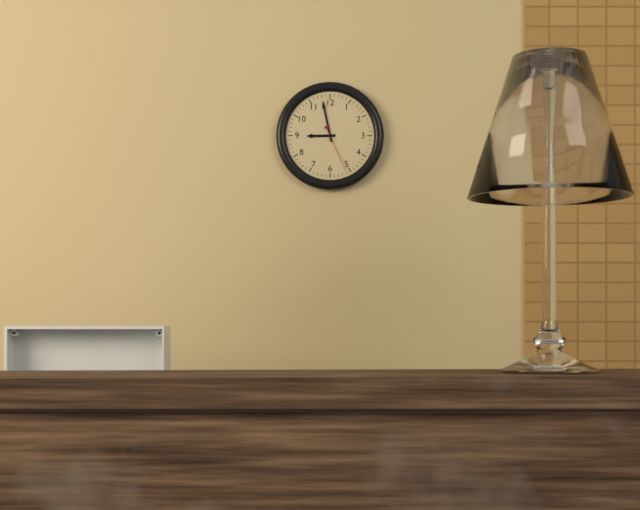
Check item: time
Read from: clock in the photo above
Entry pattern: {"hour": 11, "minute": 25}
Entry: {"hour": 8, "minute": 58}
